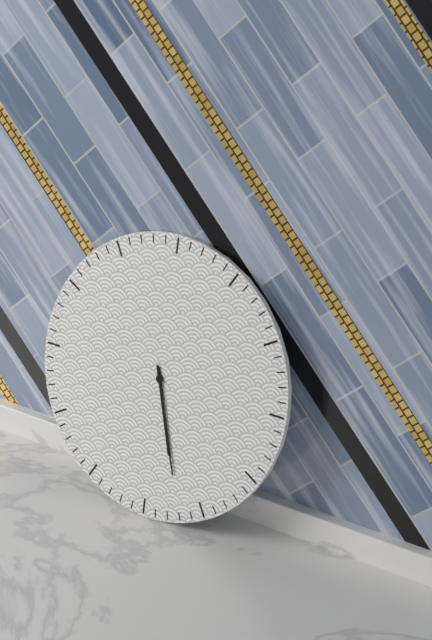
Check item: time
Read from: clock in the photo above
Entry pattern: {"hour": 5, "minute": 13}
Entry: {"hour": 5, "minute": 27}
